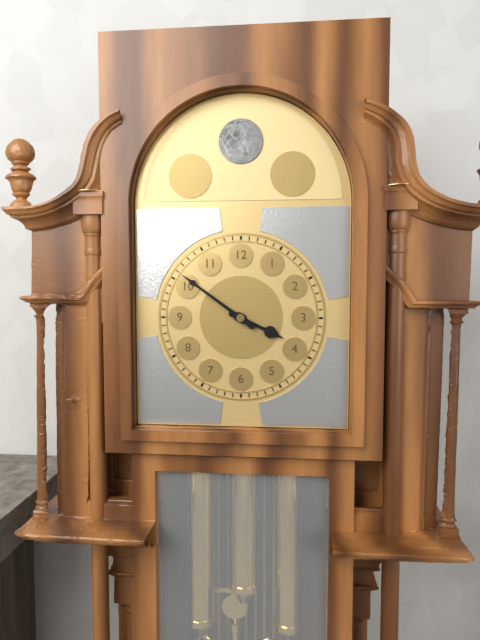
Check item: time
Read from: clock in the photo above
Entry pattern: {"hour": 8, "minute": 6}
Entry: {"hour": 3, "minute": 51}
